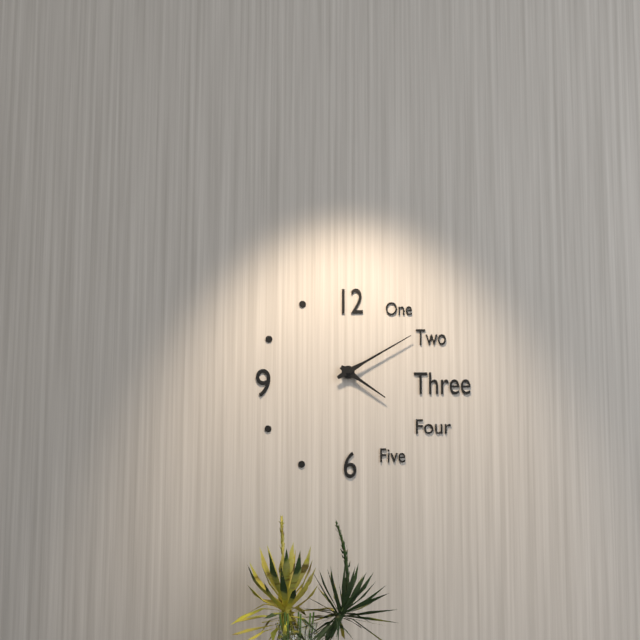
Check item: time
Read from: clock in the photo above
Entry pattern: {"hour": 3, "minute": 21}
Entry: {"hour": 4, "minute": 10}
